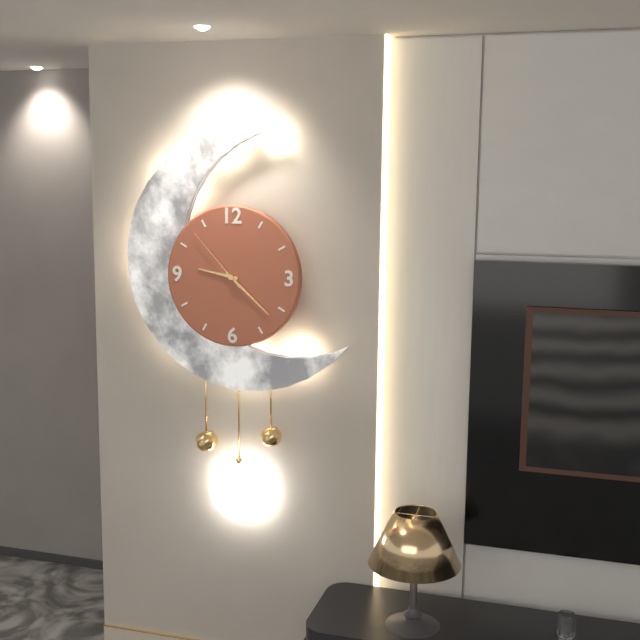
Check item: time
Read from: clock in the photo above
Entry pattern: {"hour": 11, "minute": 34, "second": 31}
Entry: {"hour": 9, "minute": 22, "second": 53}
